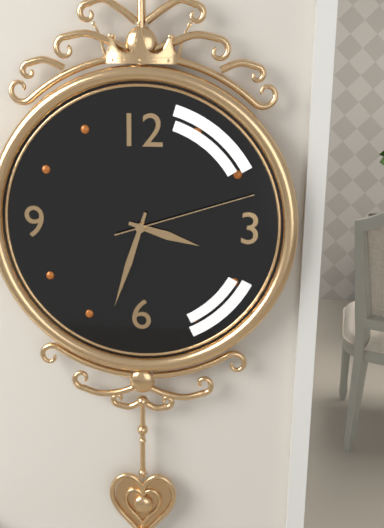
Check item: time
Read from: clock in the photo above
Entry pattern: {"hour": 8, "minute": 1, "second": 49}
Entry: {"hour": 3, "minute": 33, "second": 12}
